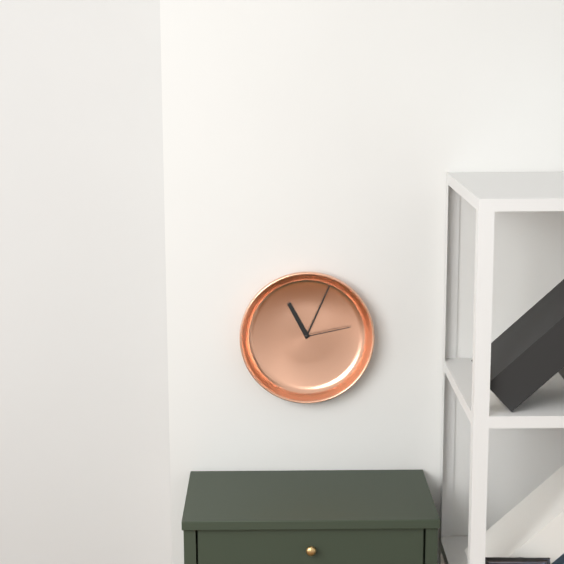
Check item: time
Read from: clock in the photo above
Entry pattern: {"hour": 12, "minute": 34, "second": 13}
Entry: {"hour": 11, "minute": 4, "second": 13}
